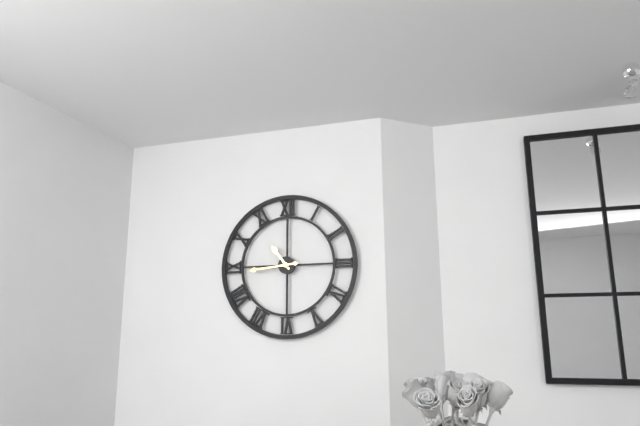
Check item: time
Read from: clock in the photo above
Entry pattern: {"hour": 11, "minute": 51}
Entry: {"hour": 10, "minute": 44}
